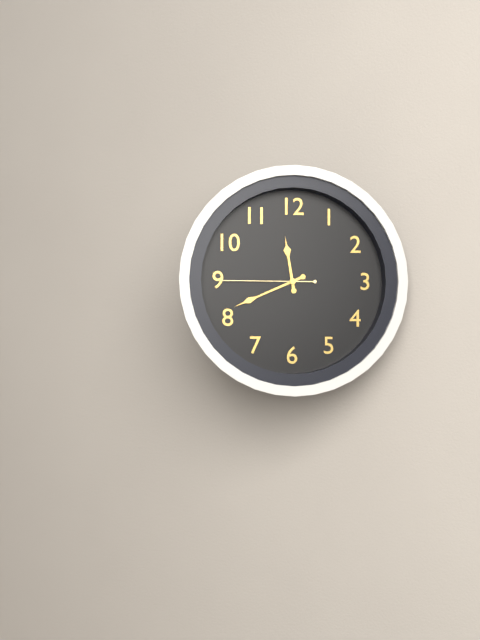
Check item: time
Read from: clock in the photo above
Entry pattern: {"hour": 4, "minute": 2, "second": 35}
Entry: {"hour": 11, "minute": 41, "second": 45}
